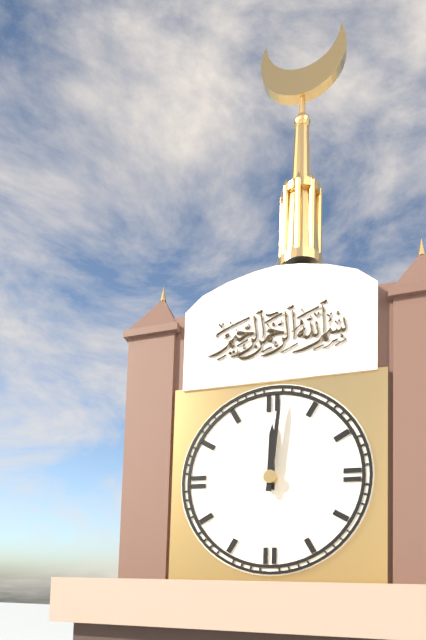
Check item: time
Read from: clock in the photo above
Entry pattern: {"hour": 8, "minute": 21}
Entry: {"hour": 12, "minute": 1}
